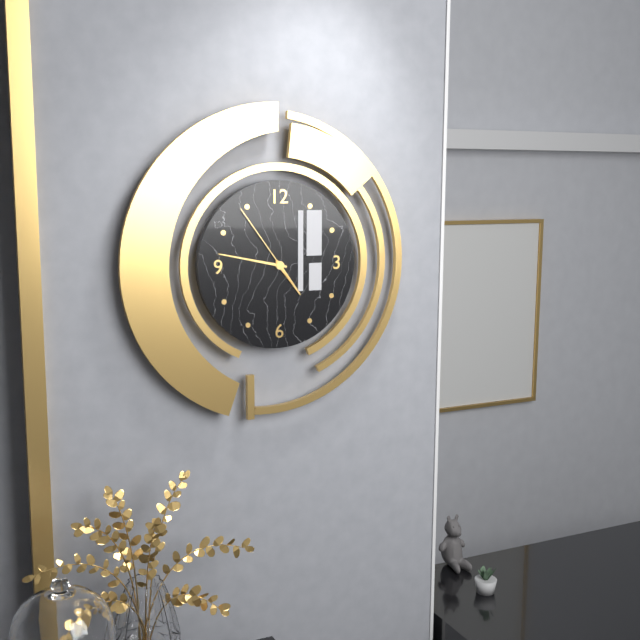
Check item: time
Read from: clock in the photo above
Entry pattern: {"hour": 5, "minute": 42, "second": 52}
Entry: {"hour": 4, "minute": 47, "second": 54}
